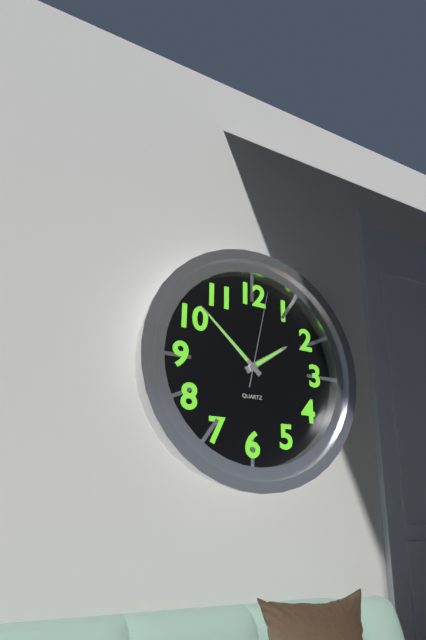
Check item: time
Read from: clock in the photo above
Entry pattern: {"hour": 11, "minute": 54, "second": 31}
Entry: {"hour": 1, "minute": 52, "second": 2}
